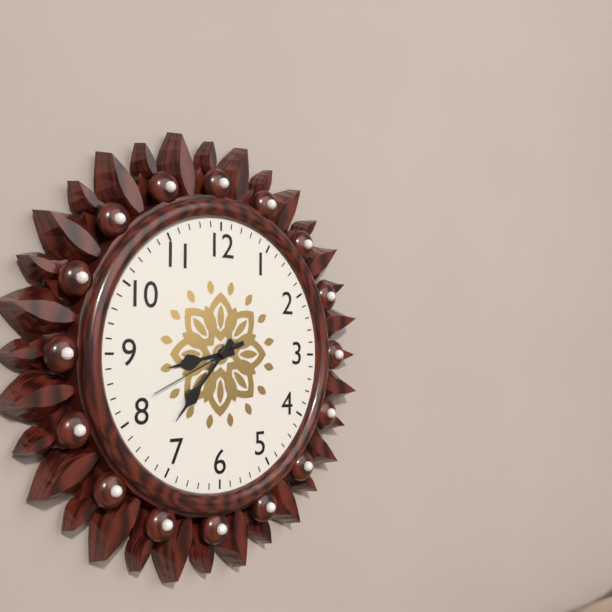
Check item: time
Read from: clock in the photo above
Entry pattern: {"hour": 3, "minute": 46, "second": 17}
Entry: {"hour": 8, "minute": 37, "second": 41}
